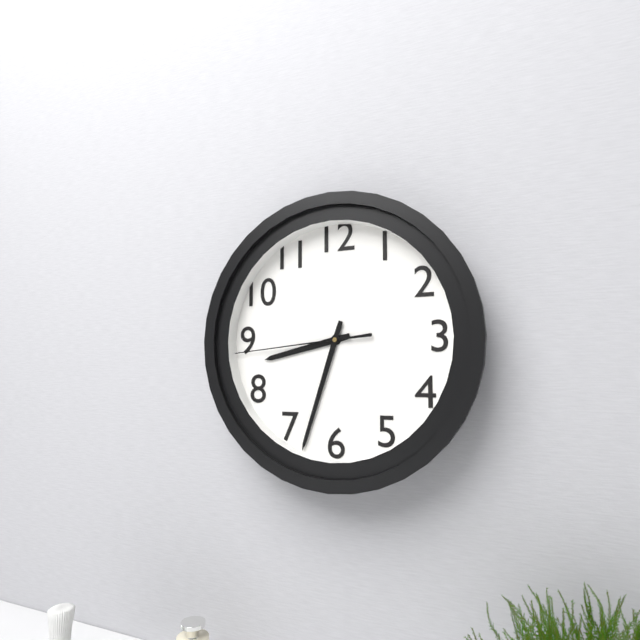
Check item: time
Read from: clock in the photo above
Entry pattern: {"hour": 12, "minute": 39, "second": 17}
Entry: {"hour": 8, "minute": 33, "second": 44}
